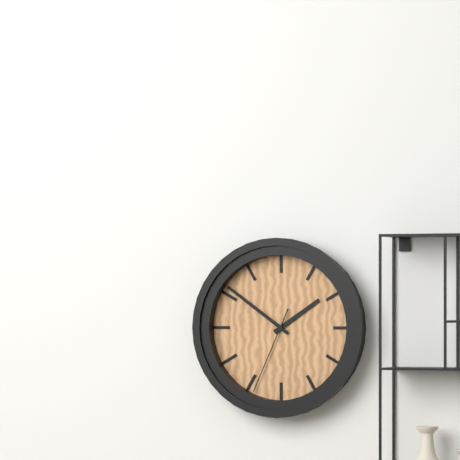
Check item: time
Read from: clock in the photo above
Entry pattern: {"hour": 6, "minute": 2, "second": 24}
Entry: {"hour": 1, "minute": 51, "second": 34}
